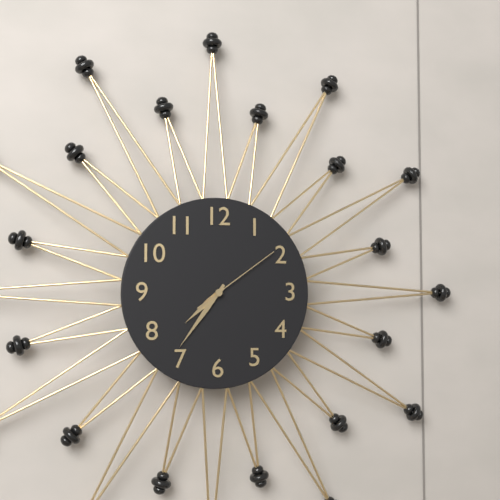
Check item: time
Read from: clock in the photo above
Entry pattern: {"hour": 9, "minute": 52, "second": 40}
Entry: {"hour": 7, "minute": 36, "second": 9}
